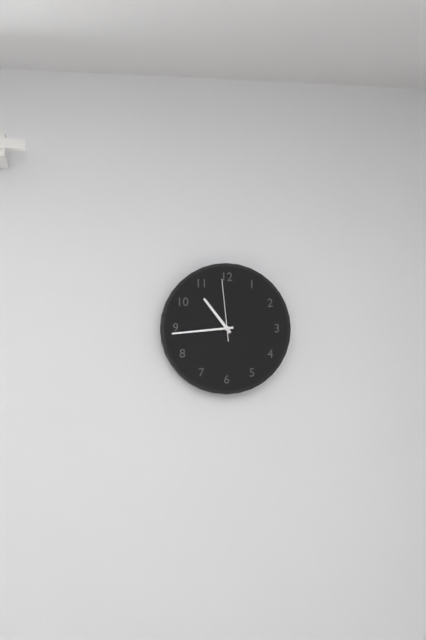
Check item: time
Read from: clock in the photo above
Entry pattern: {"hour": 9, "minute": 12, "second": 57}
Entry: {"hour": 10, "minute": 44, "second": 59}
